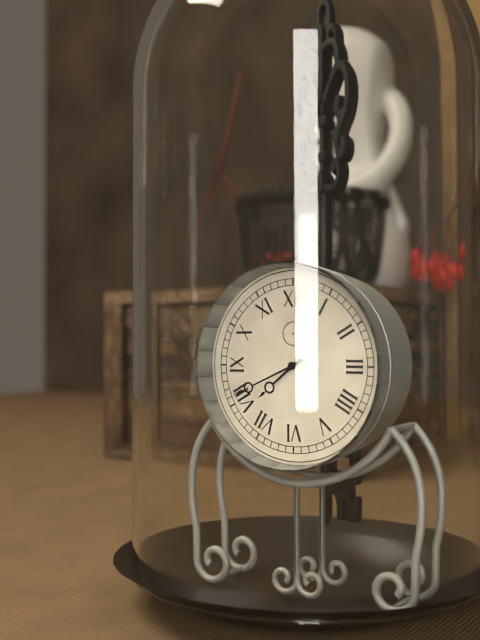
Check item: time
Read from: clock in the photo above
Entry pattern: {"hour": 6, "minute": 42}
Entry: {"hour": 7, "minute": 41}
